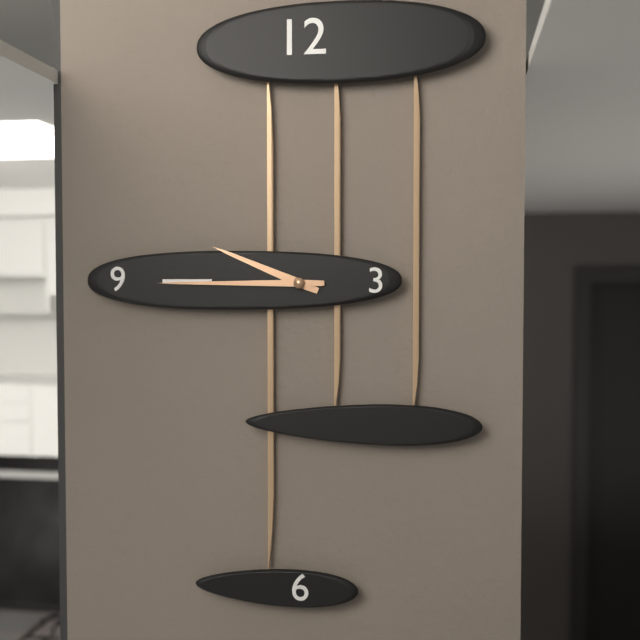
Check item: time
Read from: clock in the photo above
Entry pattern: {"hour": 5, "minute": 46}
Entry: {"hour": 9, "minute": 45}
